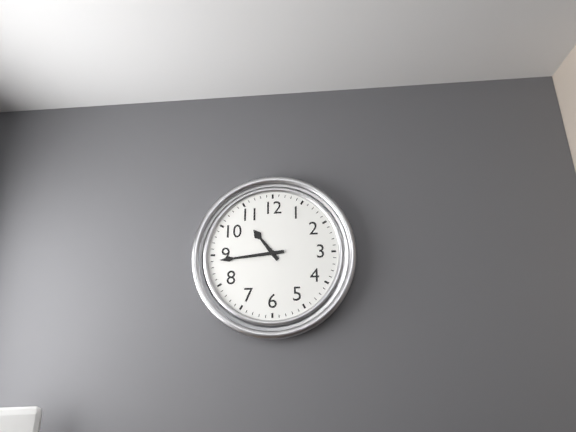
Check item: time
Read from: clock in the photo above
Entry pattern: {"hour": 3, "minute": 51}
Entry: {"hour": 10, "minute": 44}
